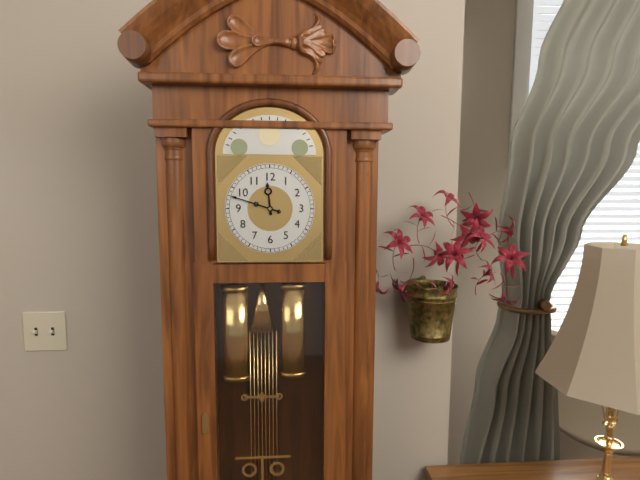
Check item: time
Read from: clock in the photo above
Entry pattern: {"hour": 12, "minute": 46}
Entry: {"hour": 11, "minute": 48}
